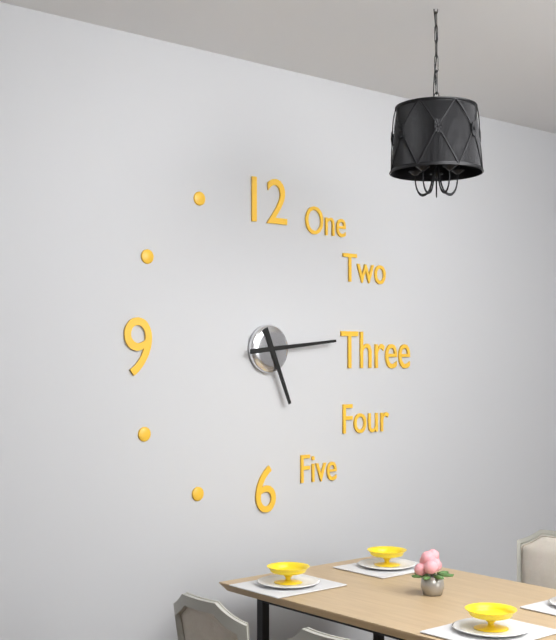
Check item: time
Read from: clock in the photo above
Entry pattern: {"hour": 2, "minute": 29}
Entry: {"hour": 5, "minute": 14}
